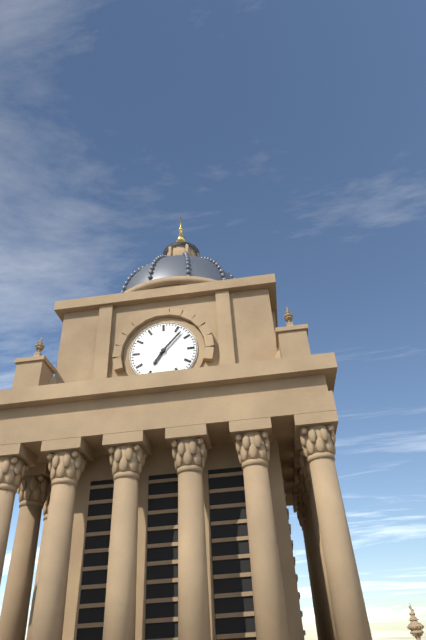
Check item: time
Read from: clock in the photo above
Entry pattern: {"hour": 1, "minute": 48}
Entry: {"hour": 7, "minute": 7}
